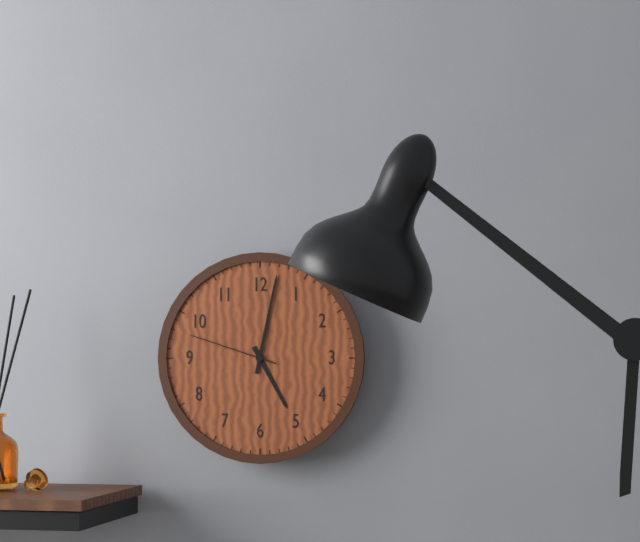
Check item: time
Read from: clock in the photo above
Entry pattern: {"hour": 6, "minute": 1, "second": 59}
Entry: {"hour": 5, "minute": 2, "second": 48}
